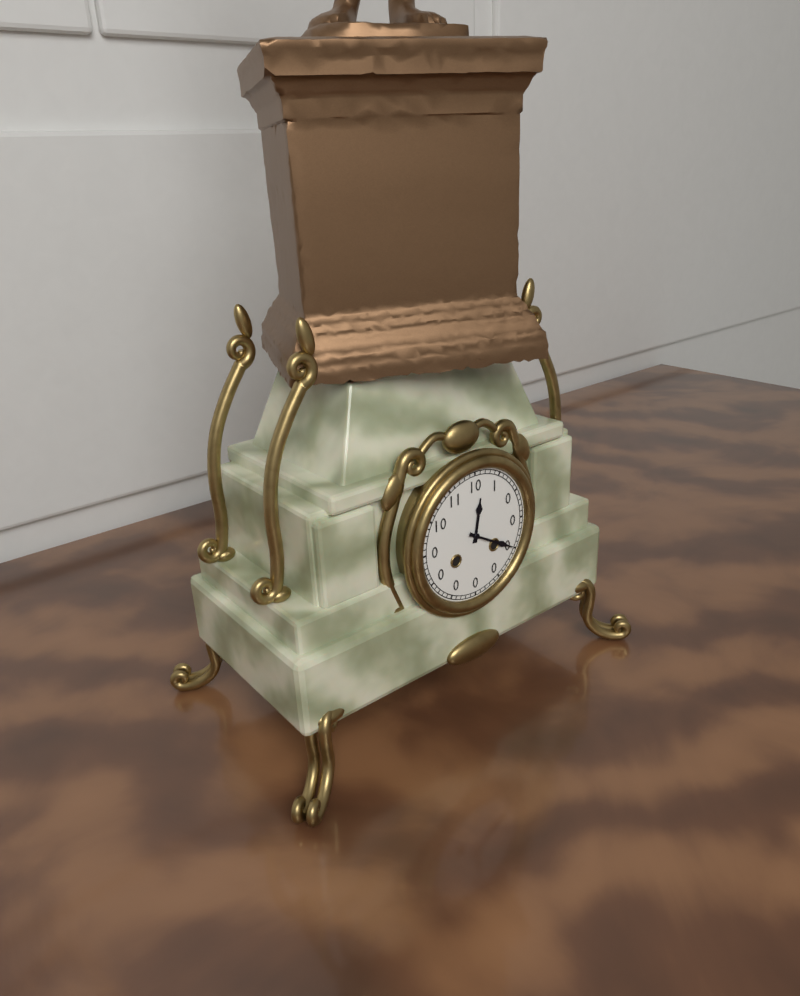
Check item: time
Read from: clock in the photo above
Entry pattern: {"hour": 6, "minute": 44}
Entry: {"hour": 12, "minute": 20}
